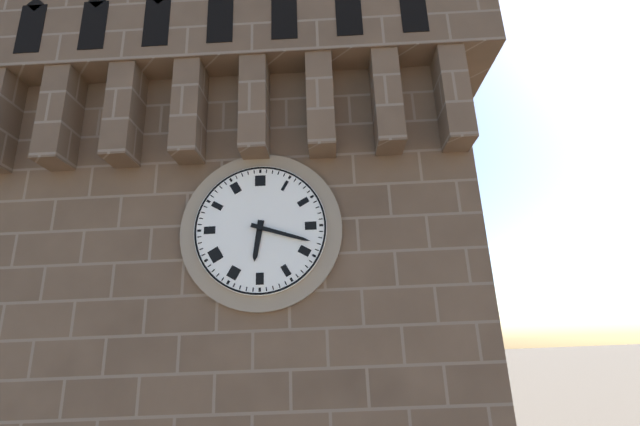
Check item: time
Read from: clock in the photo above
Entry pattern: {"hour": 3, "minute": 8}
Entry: {"hour": 6, "minute": 18}
